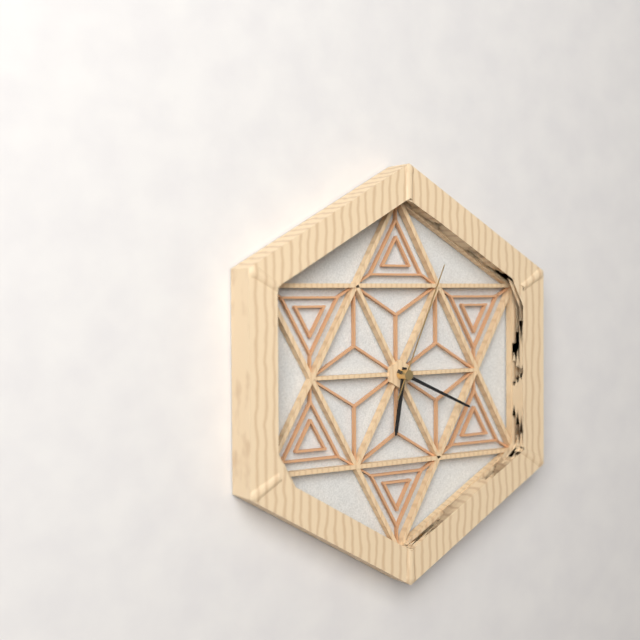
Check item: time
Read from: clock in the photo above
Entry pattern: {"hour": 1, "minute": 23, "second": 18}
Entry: {"hour": 6, "minute": 19, "second": 4}
